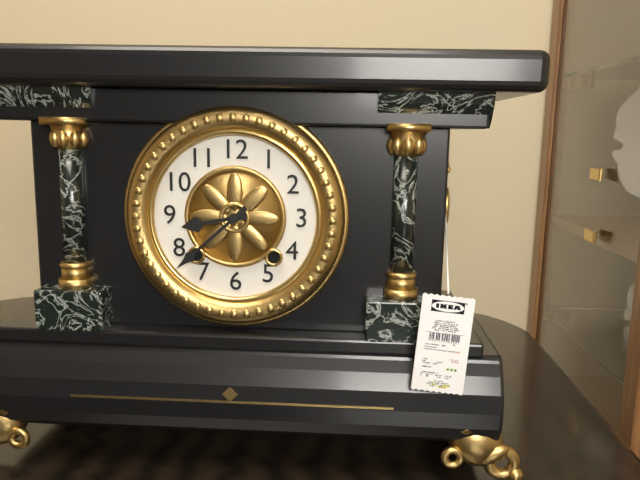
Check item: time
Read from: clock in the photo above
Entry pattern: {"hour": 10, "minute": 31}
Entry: {"hour": 8, "minute": 38}
